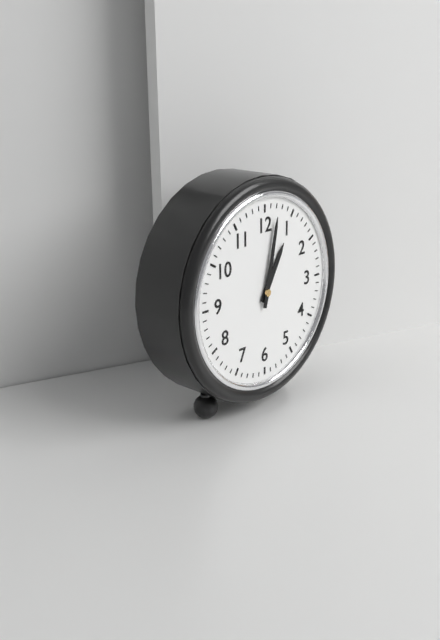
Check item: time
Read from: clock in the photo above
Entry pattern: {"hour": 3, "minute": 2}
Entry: {"hour": 1, "minute": 2}
